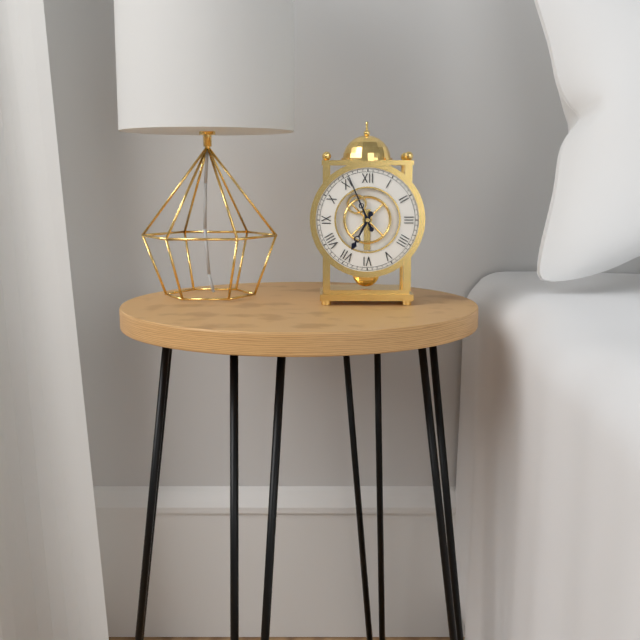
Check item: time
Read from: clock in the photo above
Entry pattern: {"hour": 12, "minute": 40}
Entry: {"hour": 6, "minute": 56}
